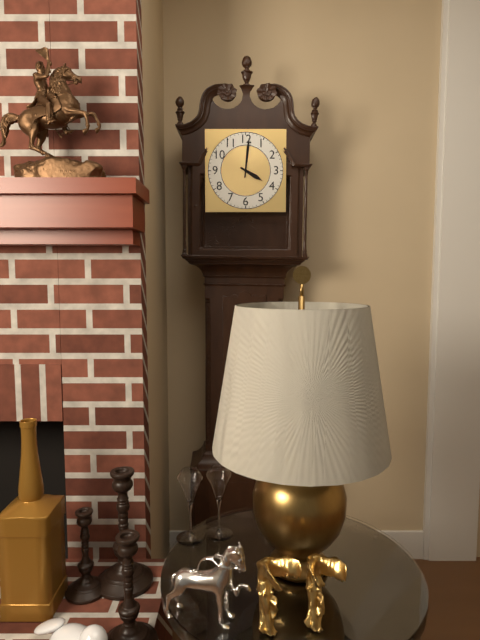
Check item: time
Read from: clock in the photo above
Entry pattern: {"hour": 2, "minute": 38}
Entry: {"hour": 4, "minute": 1}
